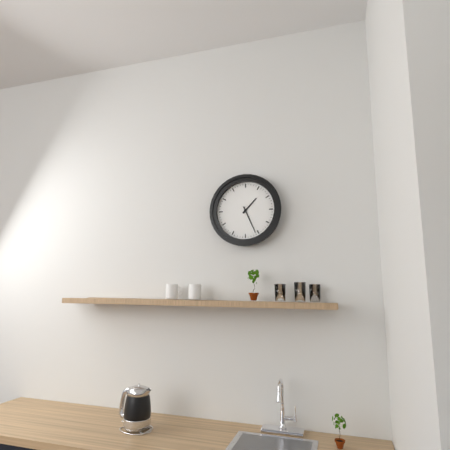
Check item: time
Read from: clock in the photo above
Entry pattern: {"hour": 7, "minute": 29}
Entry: {"hour": 1, "minute": 26}
